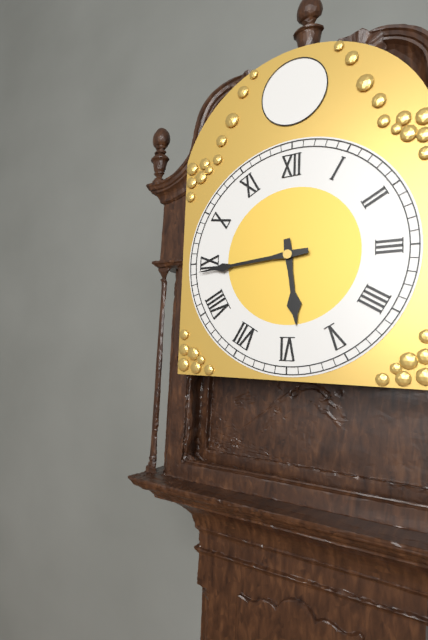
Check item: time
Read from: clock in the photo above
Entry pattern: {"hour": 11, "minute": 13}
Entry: {"hour": 5, "minute": 44}
